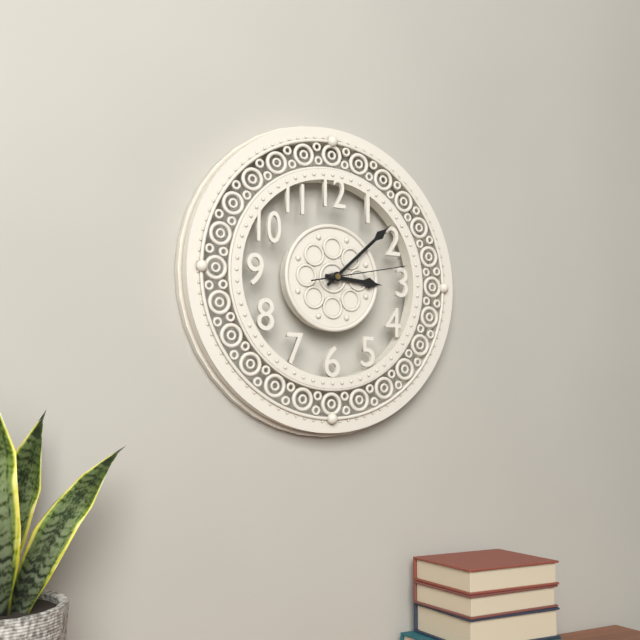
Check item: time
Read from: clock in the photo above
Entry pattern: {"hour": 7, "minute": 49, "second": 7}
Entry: {"hour": 3, "minute": 8, "second": 13}
